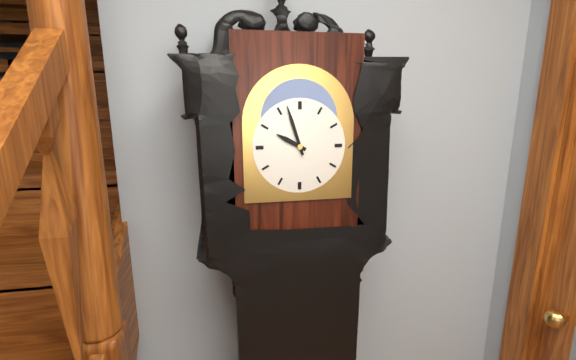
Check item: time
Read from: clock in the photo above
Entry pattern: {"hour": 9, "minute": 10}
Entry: {"hour": 9, "minute": 57}
